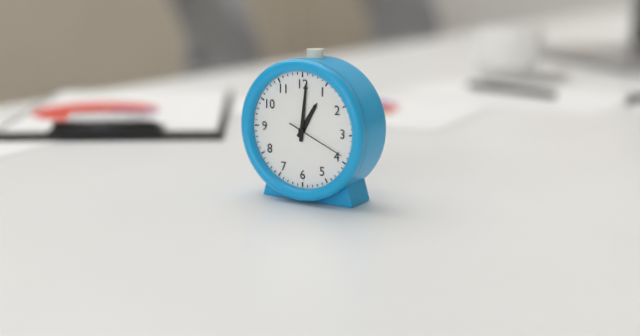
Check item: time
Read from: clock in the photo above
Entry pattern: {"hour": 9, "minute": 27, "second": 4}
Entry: {"hour": 1, "minute": 1, "second": 19}
